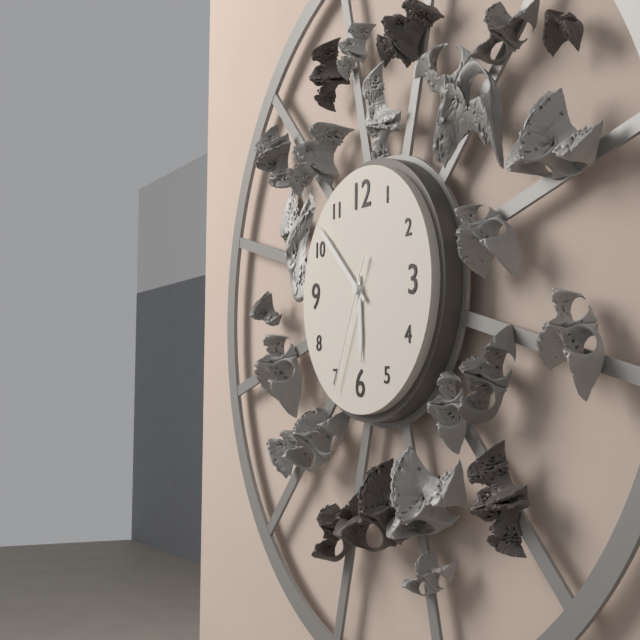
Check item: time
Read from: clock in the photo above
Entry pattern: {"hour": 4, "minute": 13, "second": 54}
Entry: {"hour": 5, "minute": 52, "second": 34}
